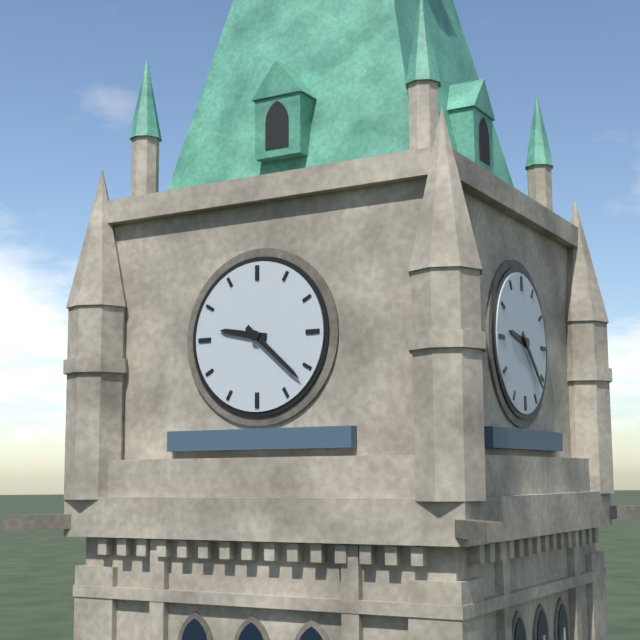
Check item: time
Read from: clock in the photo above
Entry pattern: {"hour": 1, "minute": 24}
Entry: {"hour": 9, "minute": 22}
